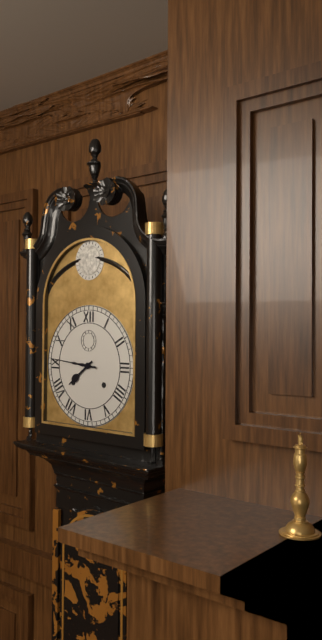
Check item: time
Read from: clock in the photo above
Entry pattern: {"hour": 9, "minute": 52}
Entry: {"hour": 7, "minute": 46}
